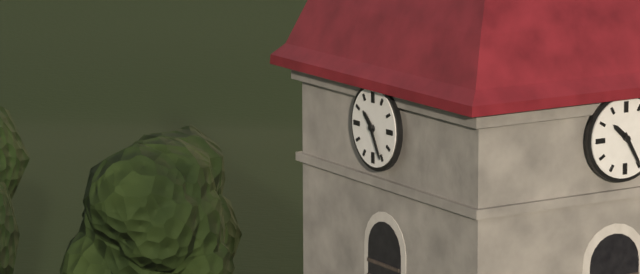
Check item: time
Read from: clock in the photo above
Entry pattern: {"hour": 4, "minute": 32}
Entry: {"hour": 10, "minute": 25}
